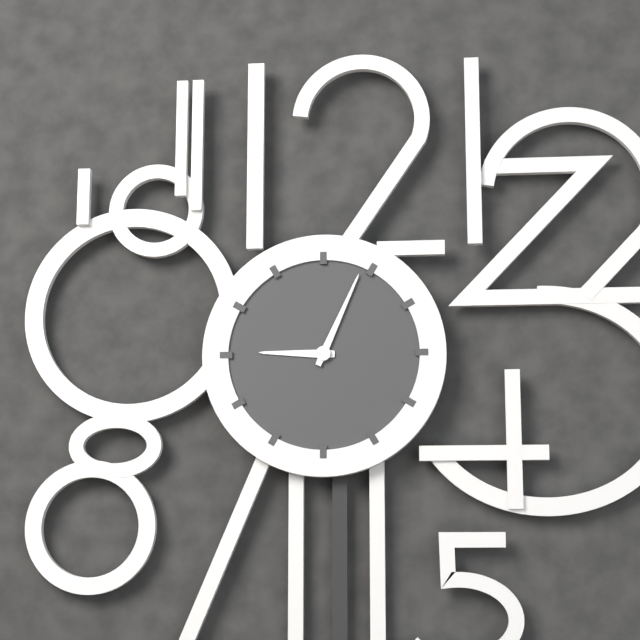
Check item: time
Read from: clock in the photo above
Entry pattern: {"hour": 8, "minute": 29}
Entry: {"hour": 9, "minute": 4}
